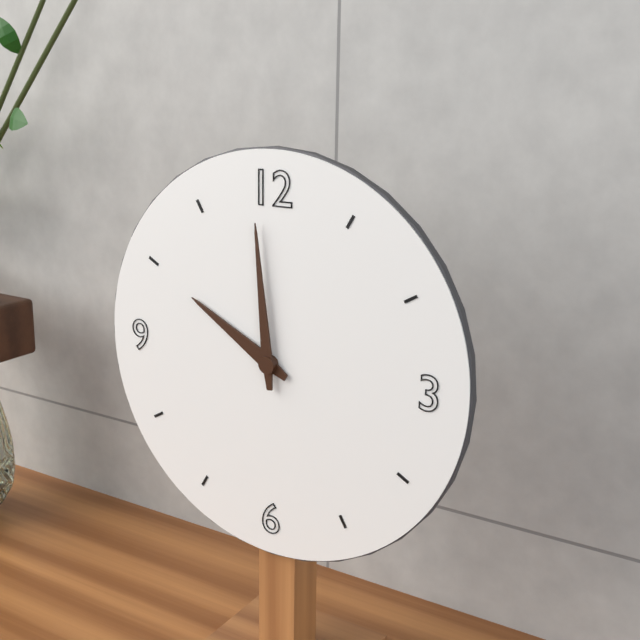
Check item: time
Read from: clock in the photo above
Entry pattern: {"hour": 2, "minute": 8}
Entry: {"hour": 9, "minute": 59}
